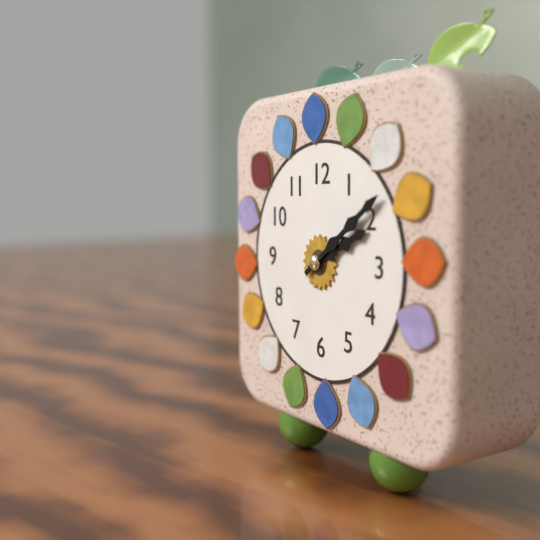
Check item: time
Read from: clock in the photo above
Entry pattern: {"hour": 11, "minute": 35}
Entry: {"hour": 2, "minute": 9}
